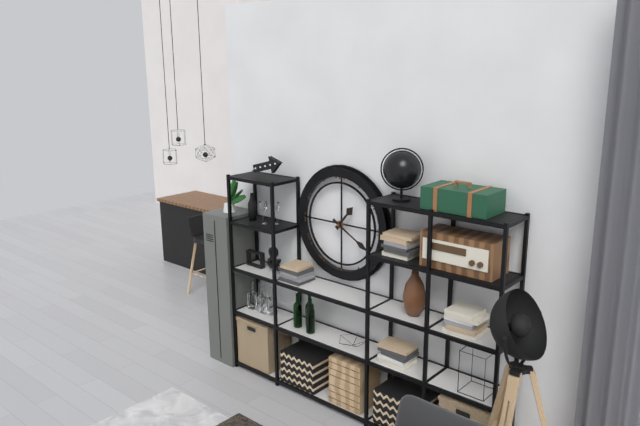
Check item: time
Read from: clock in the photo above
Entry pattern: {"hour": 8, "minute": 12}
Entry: {"hour": 1, "minute": 20}
